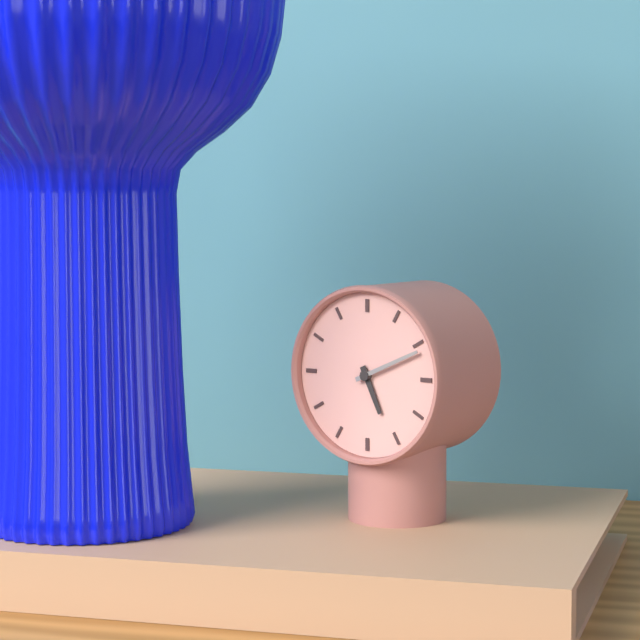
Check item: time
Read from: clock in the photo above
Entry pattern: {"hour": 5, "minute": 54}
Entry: {"hour": 5, "minute": 11}
